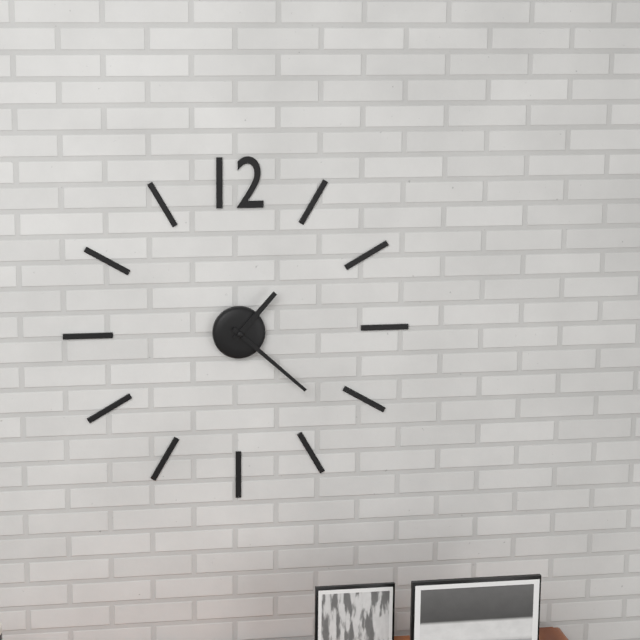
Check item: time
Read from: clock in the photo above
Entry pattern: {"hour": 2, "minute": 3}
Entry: {"hour": 1, "minute": 22}
